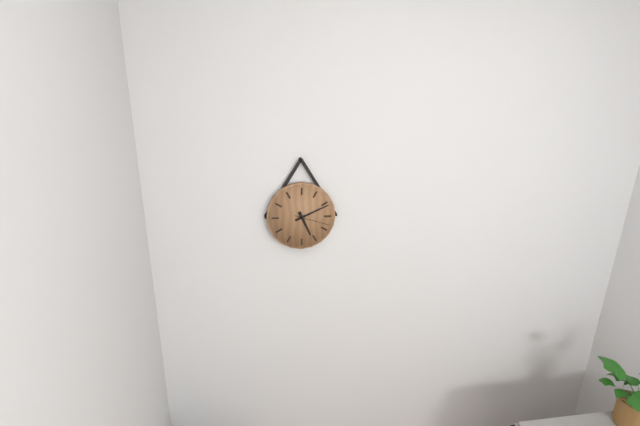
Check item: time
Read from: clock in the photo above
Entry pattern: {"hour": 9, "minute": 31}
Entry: {"hour": 5, "minute": 11}
